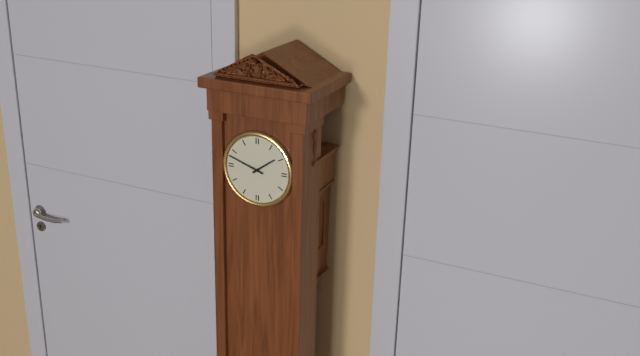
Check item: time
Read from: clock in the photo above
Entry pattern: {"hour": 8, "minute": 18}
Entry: {"hour": 1, "minute": 48}
